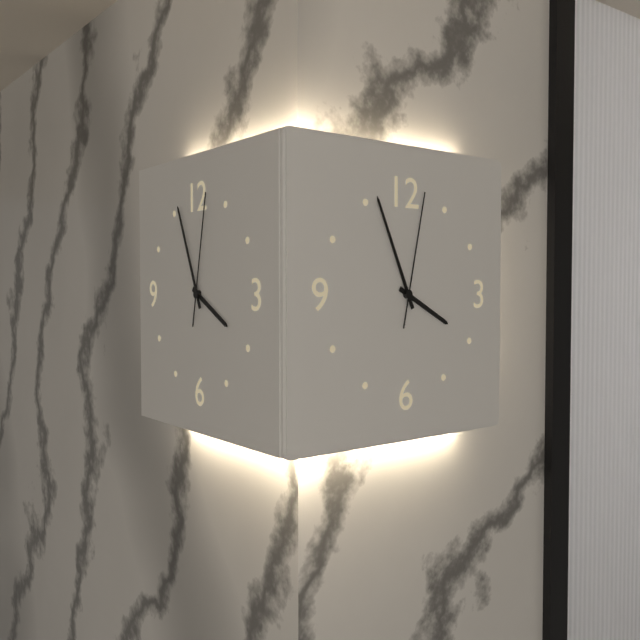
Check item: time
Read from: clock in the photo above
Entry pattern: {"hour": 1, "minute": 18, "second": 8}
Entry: {"hour": 3, "minute": 56, "second": 2}
